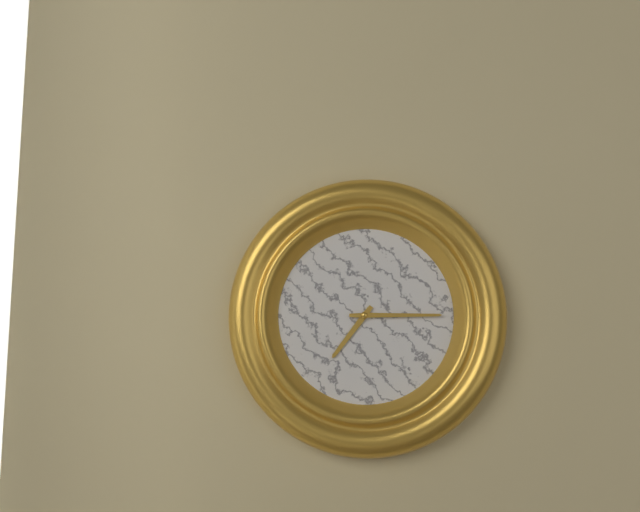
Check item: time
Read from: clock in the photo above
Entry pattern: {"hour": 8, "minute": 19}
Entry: {"hour": 7, "minute": 15}
